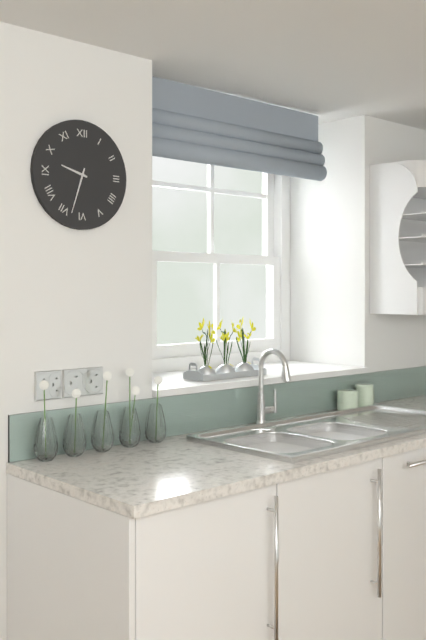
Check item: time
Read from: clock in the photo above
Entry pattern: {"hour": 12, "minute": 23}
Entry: {"hour": 9, "minute": 33}
